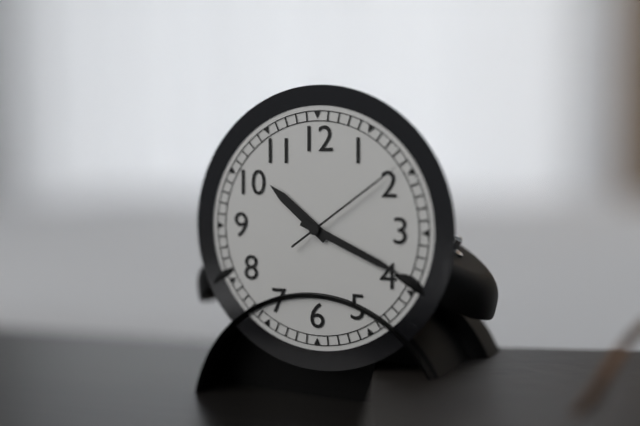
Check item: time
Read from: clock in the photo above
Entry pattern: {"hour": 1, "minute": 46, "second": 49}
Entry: {"hour": 10, "minute": 19, "second": 9}
